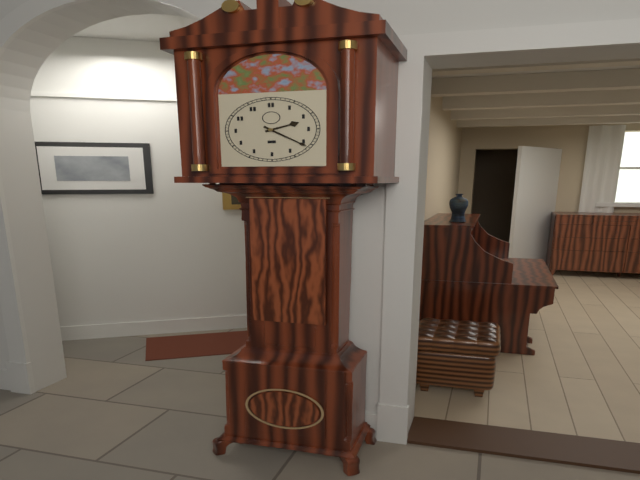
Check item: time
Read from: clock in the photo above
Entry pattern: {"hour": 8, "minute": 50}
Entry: {"hour": 2, "minute": 21}
